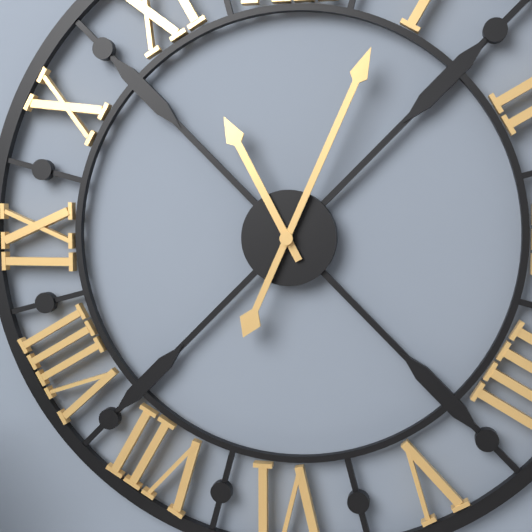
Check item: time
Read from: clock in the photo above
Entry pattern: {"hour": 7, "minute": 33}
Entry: {"hour": 11, "minute": 4}
